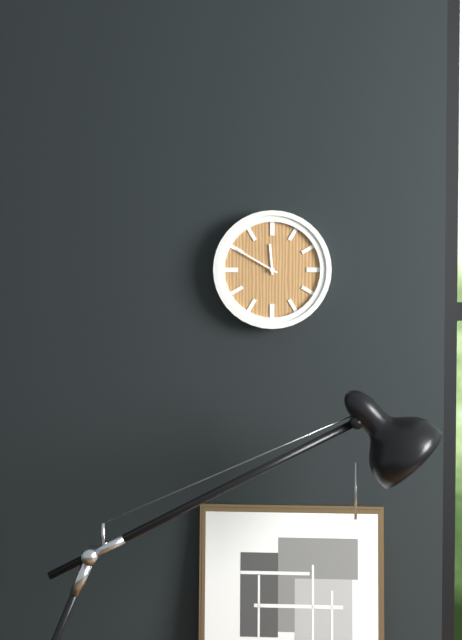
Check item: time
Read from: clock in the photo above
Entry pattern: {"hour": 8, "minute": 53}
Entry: {"hour": 11, "minute": 50}
